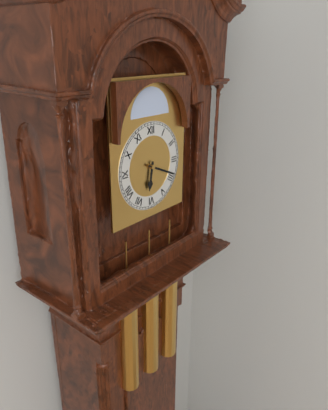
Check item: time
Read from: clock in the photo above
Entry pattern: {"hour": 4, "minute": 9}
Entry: {"hour": 6, "minute": 19}
